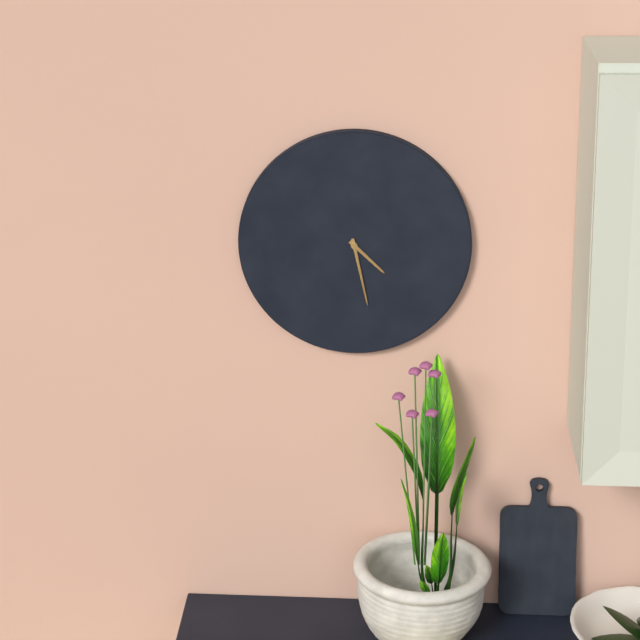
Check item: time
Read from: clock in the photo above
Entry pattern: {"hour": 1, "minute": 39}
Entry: {"hour": 4, "minute": 28}
